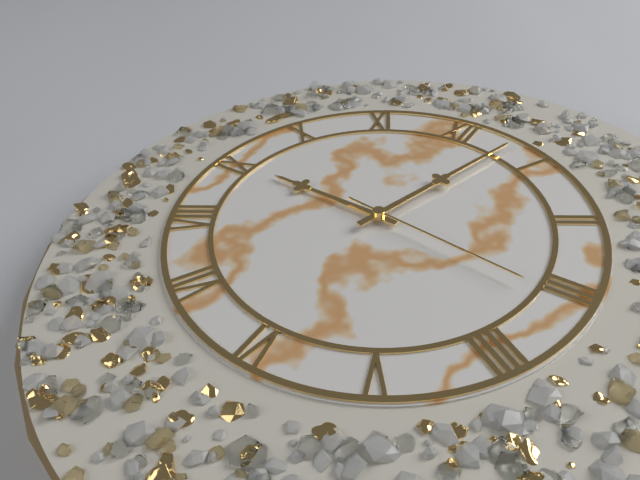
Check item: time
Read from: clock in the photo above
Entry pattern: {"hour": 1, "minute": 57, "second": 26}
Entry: {"hour": 9, "minute": 3, "second": 16}
